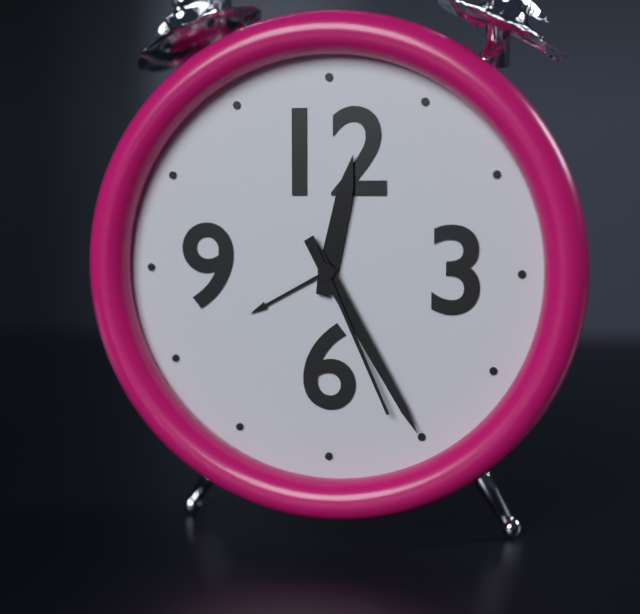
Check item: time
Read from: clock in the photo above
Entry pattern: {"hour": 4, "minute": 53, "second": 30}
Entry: {"hour": 12, "minute": 25, "second": 26}
